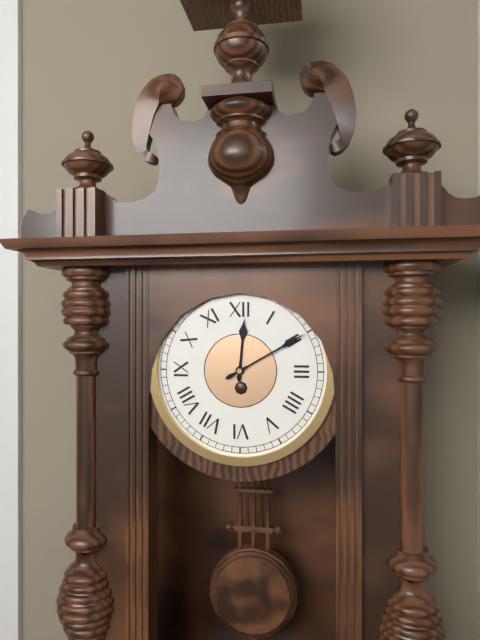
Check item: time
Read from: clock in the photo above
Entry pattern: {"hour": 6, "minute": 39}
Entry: {"hour": 12, "minute": 10}
